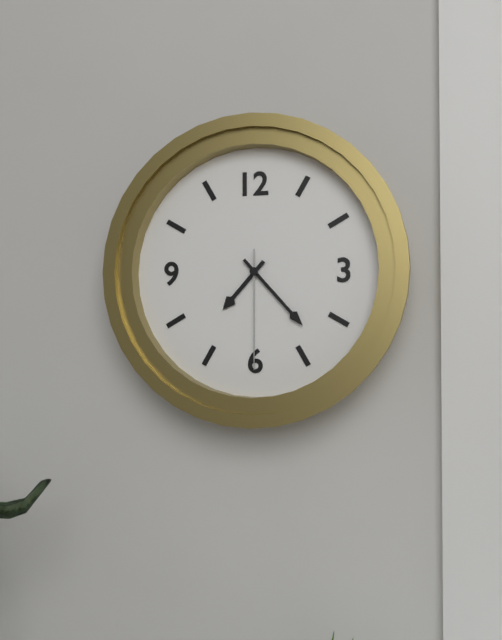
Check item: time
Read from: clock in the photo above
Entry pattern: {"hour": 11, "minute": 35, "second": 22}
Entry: {"hour": 7, "minute": 23, "second": 30}
